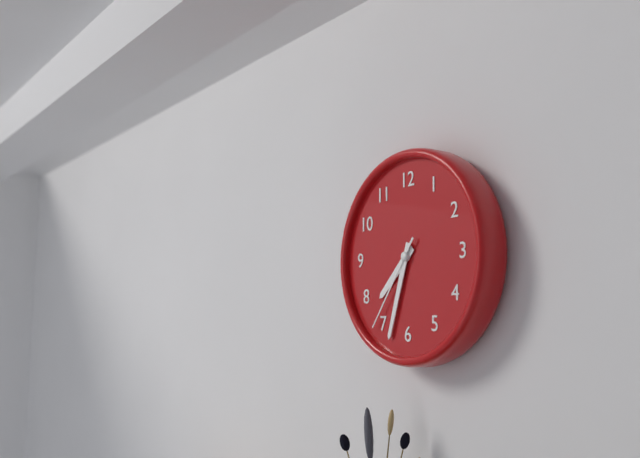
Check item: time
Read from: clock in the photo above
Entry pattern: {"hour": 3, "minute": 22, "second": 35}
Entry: {"hour": 7, "minute": 33, "second": 36}
